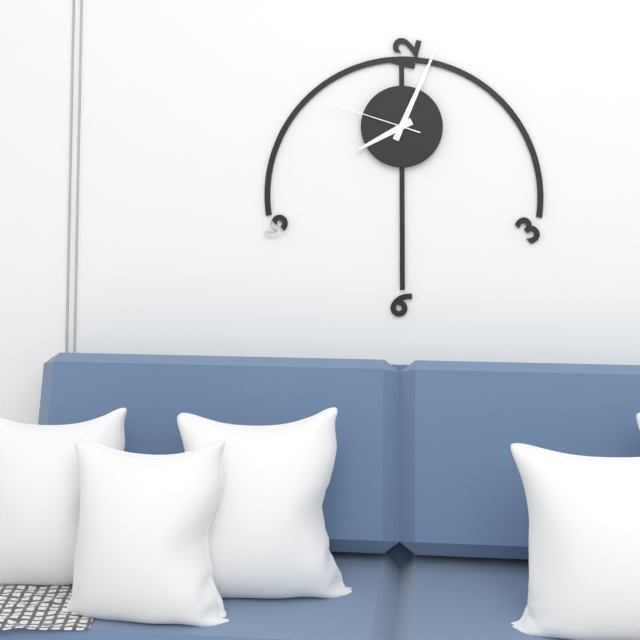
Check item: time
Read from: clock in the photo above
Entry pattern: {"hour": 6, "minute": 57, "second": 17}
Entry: {"hour": 8, "minute": 4, "second": 48}
